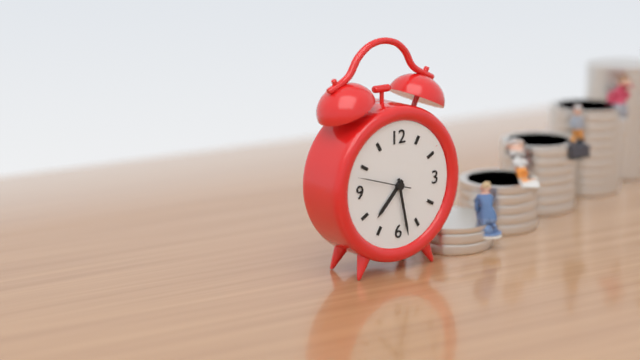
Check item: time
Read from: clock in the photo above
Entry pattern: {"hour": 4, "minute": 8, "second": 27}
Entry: {"hour": 7, "minute": 28, "second": 48}
